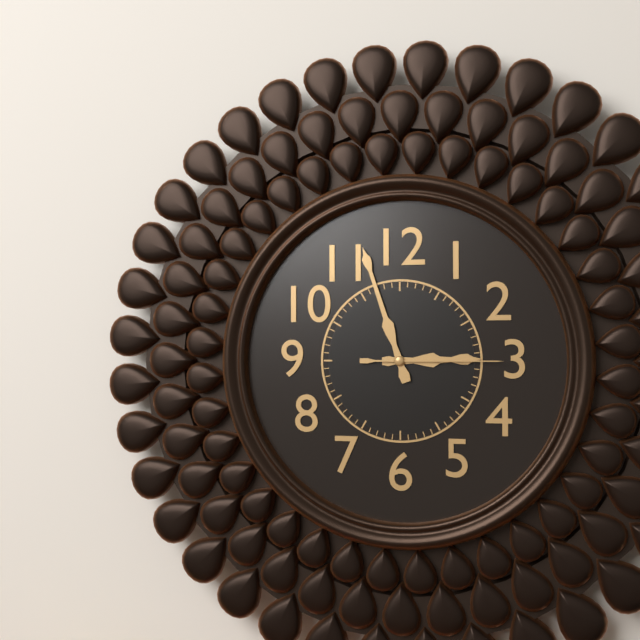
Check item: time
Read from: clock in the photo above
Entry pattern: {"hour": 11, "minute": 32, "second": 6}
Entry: {"hour": 2, "minute": 57, "second": 15}
